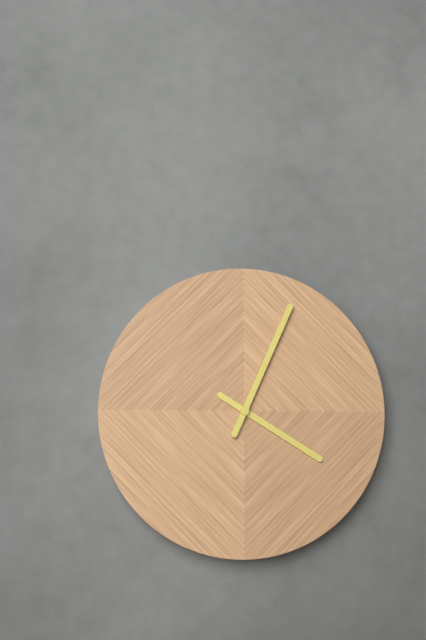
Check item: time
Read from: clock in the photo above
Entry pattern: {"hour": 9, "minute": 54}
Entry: {"hour": 4, "minute": 4}
